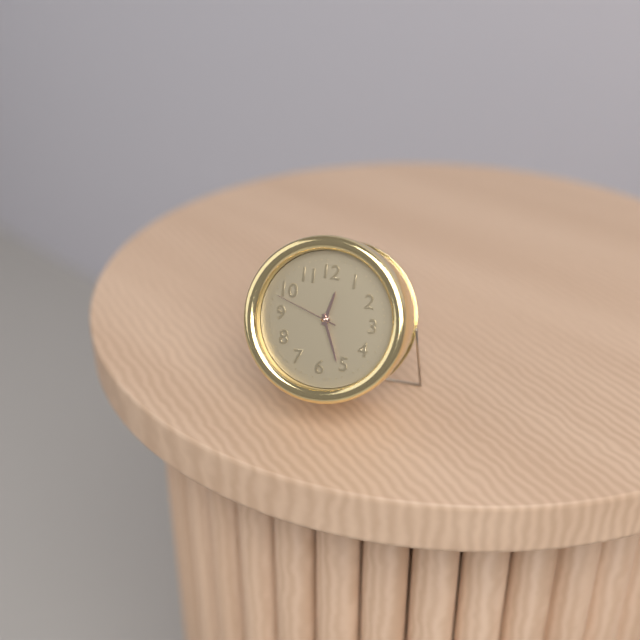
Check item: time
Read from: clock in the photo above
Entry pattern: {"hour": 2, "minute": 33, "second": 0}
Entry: {"hour": 12, "minute": 26, "second": 48}
